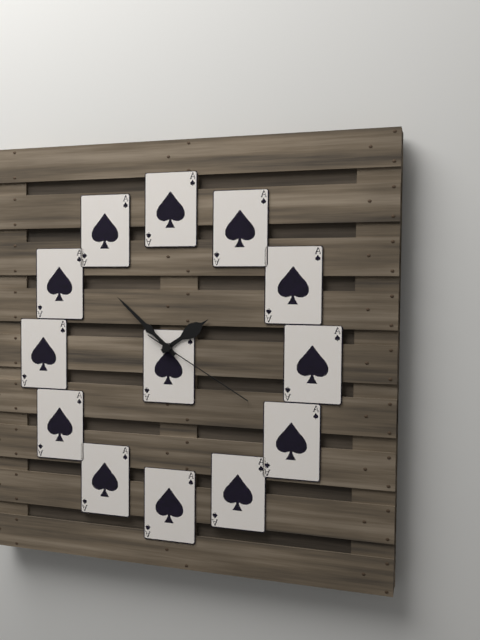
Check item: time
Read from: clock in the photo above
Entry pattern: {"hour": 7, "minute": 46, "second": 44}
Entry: {"hour": 1, "minute": 52, "second": 20}
